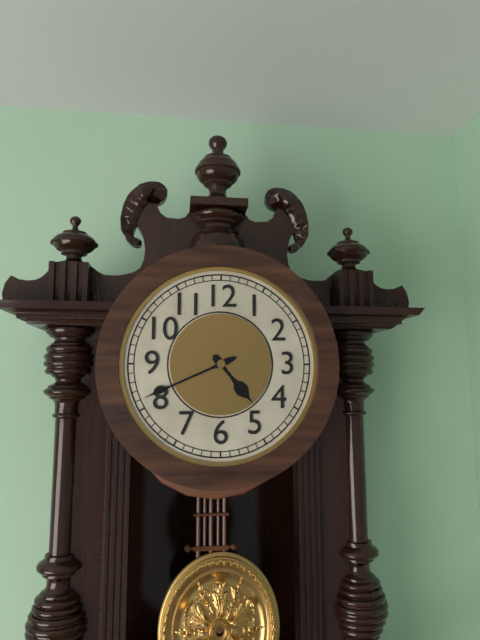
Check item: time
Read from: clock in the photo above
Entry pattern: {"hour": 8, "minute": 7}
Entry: {"hour": 4, "minute": 41}
